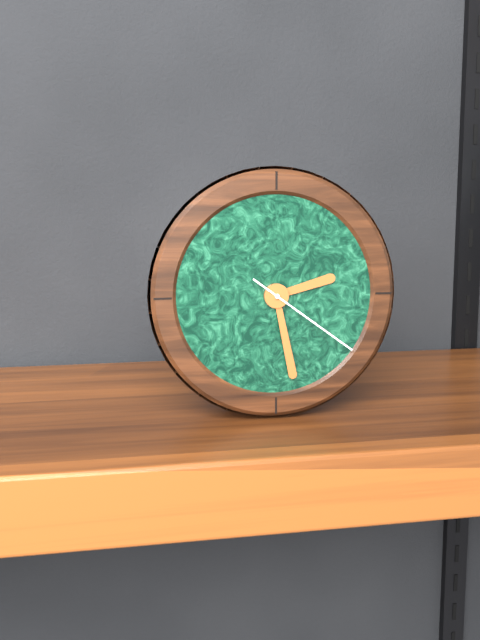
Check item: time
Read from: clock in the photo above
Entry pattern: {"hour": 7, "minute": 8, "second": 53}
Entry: {"hour": 2, "minute": 28, "second": 21}
